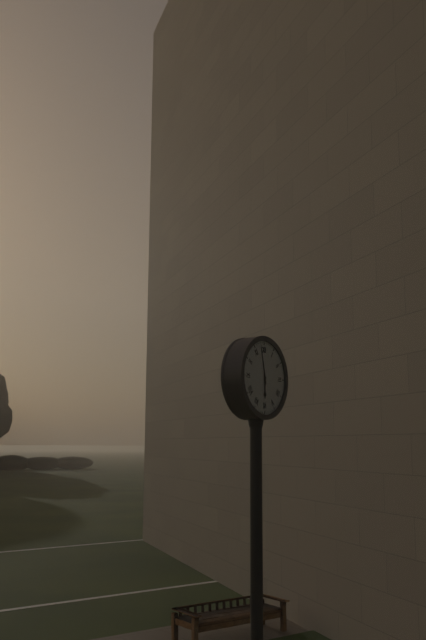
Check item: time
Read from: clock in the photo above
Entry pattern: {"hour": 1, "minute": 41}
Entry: {"hour": 5, "minute": 58}
